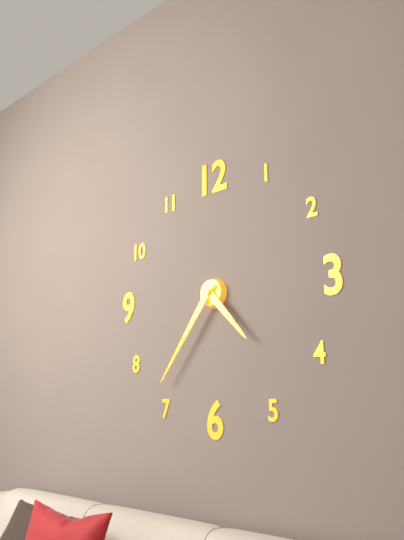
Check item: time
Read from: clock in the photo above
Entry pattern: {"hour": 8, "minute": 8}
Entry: {"hour": 4, "minute": 36}
